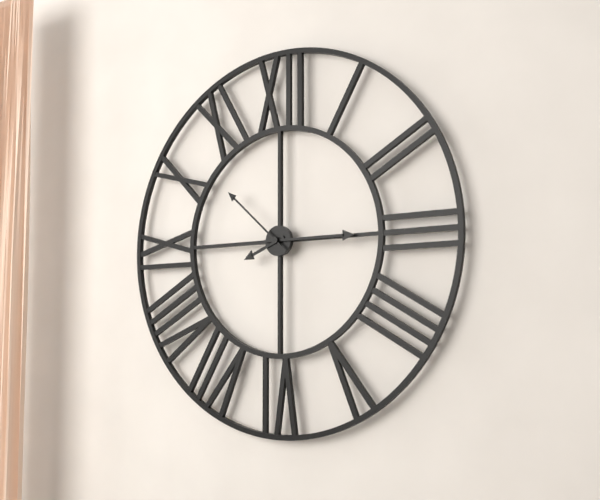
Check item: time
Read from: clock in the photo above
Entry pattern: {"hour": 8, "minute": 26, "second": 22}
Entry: {"hour": 8, "minute": 15, "second": 52}
